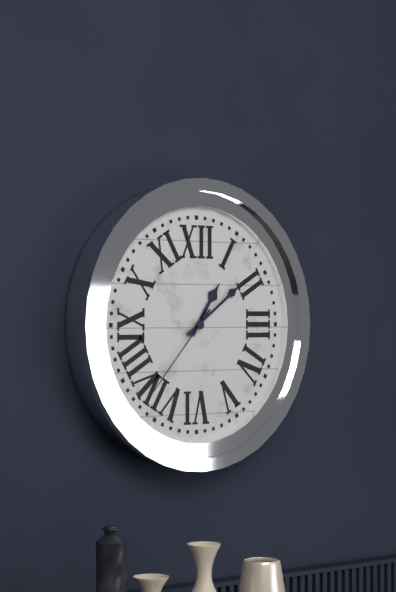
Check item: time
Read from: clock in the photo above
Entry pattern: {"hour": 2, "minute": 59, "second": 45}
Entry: {"hour": 1, "minute": 9, "second": 37}
